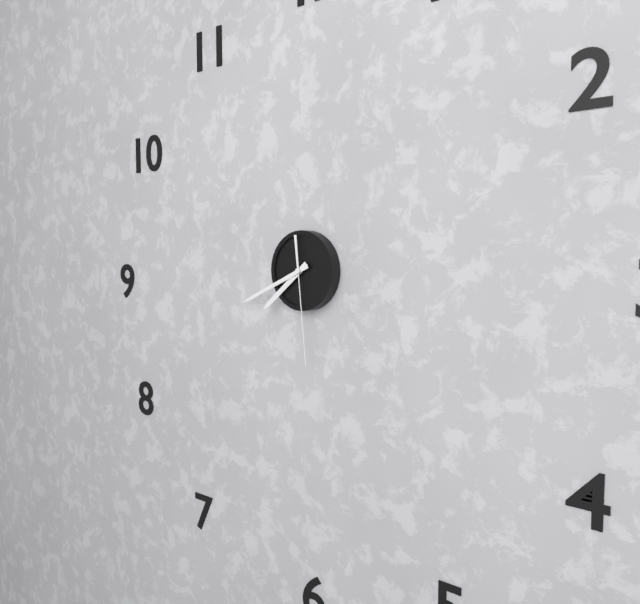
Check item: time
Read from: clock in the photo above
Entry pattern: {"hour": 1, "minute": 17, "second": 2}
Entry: {"hour": 7, "minute": 41, "second": 29}
